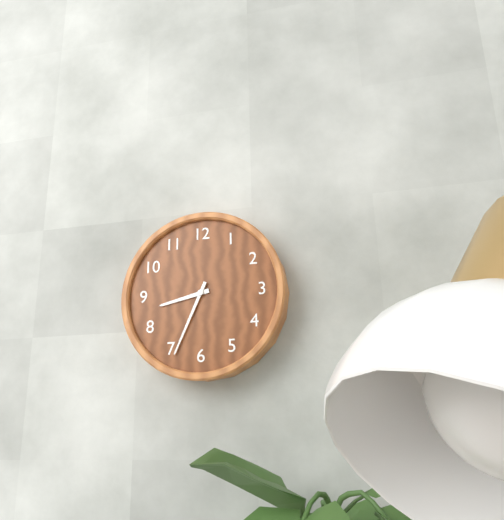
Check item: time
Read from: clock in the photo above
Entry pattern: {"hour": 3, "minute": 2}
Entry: {"hour": 8, "minute": 34}
